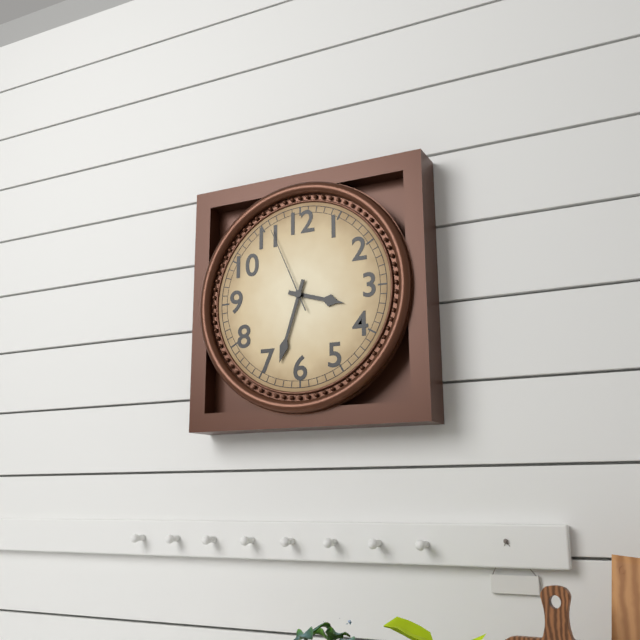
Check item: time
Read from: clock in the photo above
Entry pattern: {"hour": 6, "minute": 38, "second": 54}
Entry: {"hour": 3, "minute": 33, "second": 56}
